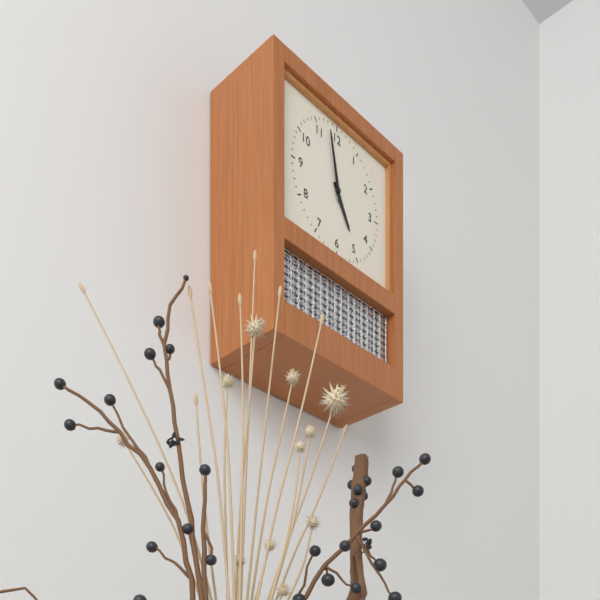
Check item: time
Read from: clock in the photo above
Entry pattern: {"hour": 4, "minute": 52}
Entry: {"hour": 4, "minute": 58}
